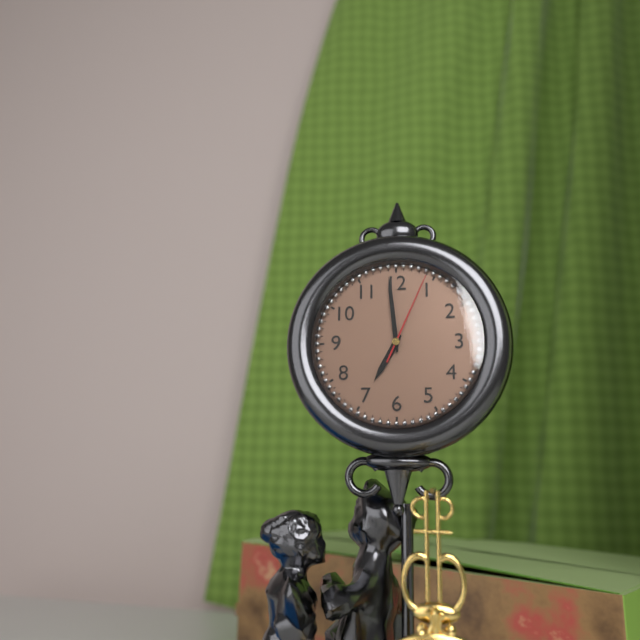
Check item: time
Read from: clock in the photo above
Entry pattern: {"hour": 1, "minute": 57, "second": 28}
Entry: {"hour": 6, "minute": 59, "second": 4}
